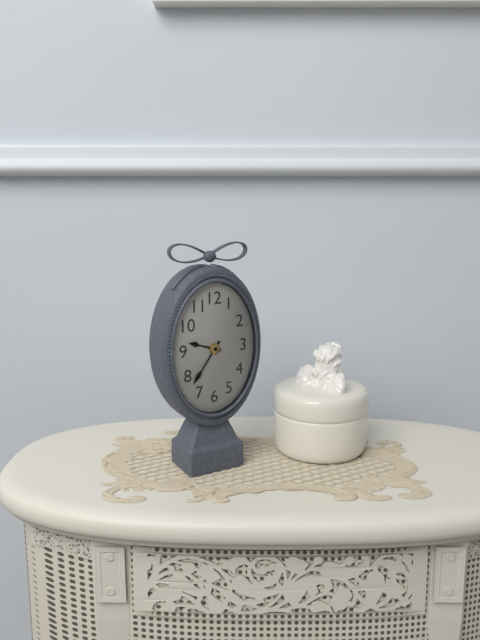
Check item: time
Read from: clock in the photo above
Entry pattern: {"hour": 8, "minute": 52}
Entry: {"hour": 9, "minute": 36}
